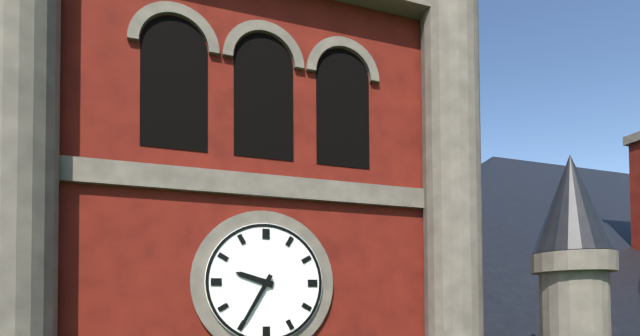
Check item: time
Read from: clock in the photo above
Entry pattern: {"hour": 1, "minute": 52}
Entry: {"hour": 9, "minute": 35}
